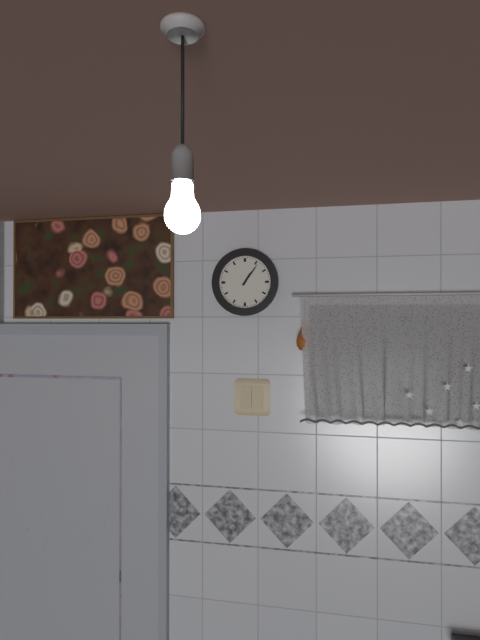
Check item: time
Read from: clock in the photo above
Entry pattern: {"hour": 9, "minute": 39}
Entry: {"hour": 1, "minute": 6}
